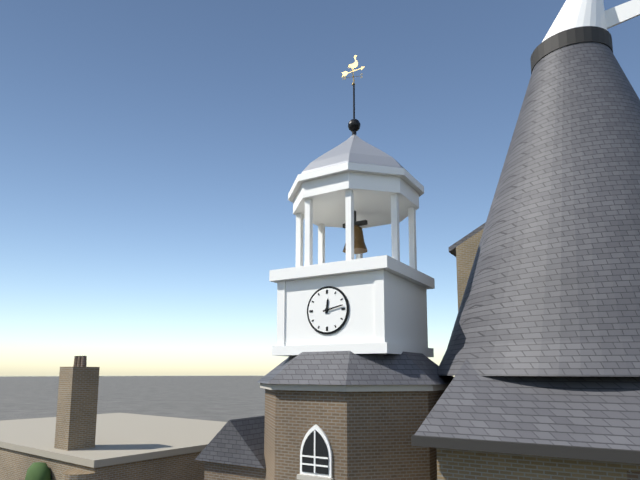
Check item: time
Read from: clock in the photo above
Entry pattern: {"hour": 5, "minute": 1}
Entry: {"hour": 12, "minute": 13}
